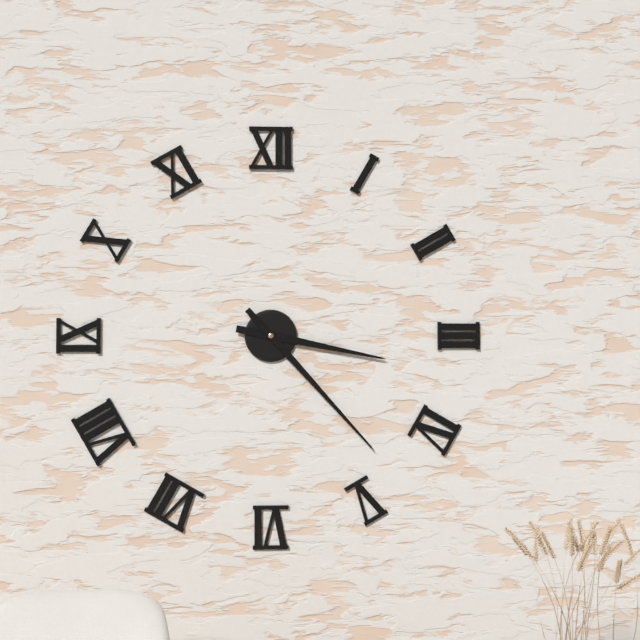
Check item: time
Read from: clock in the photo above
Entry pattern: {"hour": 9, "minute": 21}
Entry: {"hour": 3, "minute": 23}
